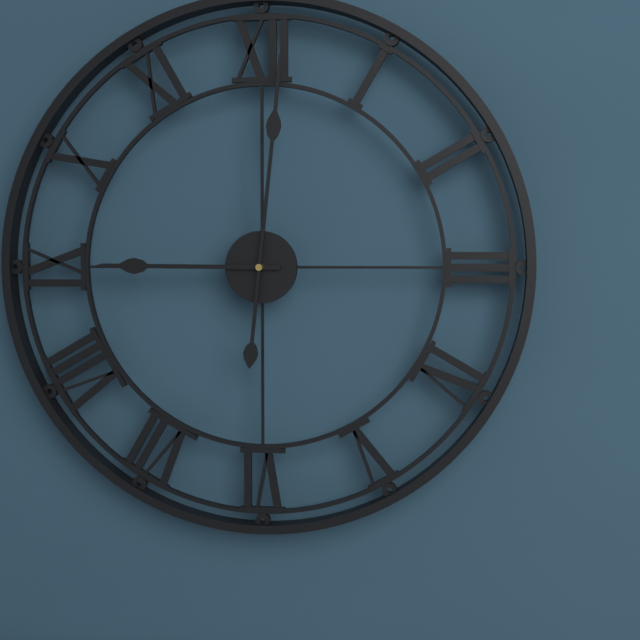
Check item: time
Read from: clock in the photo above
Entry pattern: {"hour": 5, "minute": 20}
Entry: {"hour": 9, "minute": 1}
